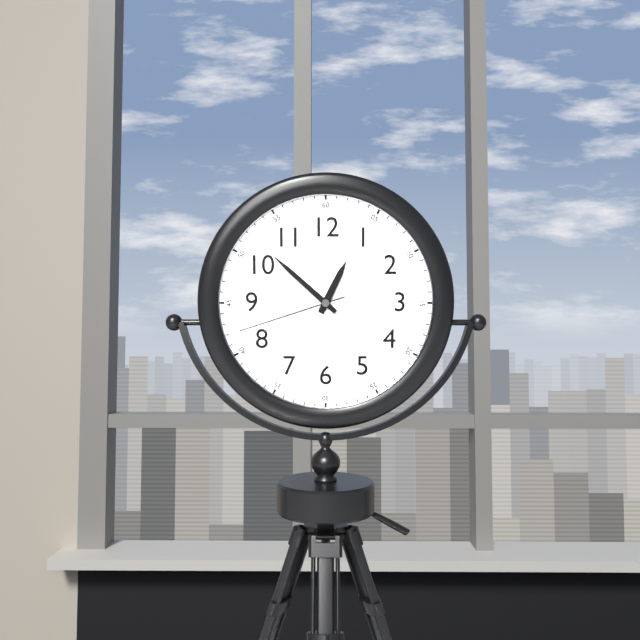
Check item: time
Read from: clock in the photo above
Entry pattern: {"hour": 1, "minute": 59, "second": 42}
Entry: {"hour": 12, "minute": 52, "second": 42}
